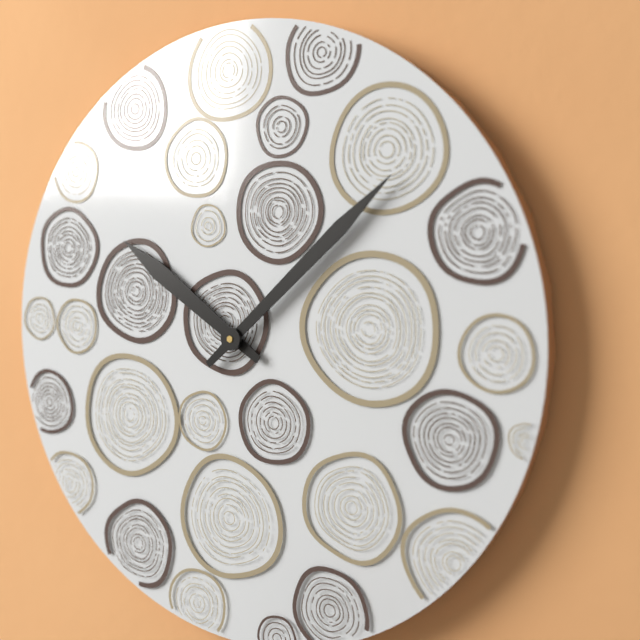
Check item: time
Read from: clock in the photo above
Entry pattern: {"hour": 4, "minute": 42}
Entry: {"hour": 10, "minute": 8}
